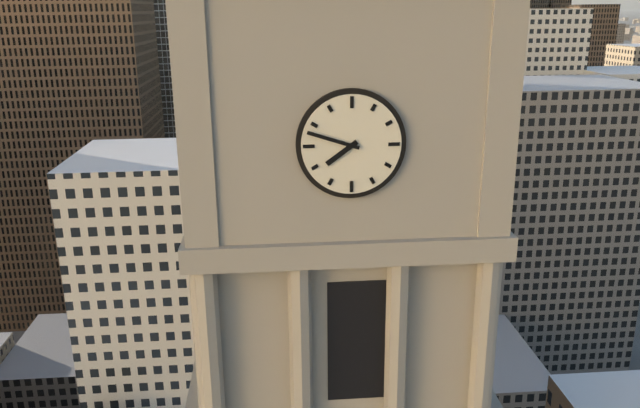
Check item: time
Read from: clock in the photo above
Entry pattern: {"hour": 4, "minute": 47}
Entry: {"hour": 7, "minute": 48}
